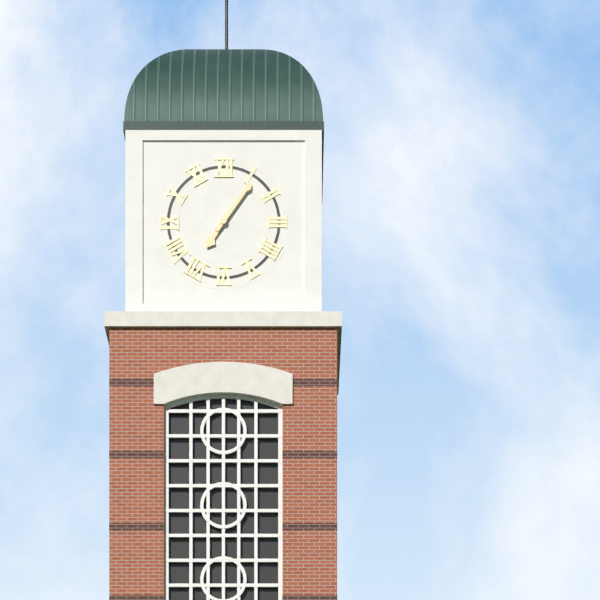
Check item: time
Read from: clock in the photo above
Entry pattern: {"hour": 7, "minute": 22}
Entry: {"hour": 7, "minute": 6}
